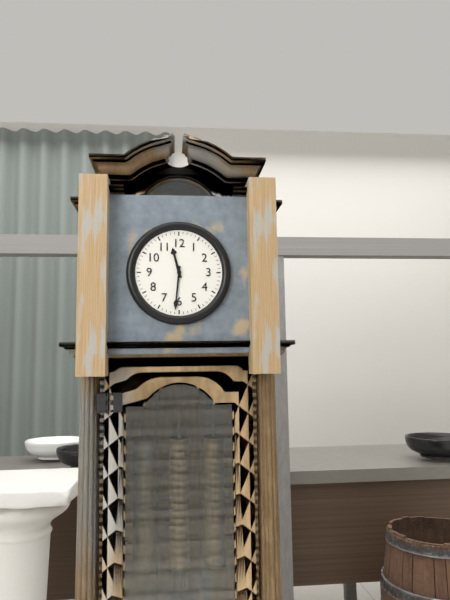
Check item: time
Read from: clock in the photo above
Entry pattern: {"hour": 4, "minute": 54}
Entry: {"hour": 11, "minute": 31}
